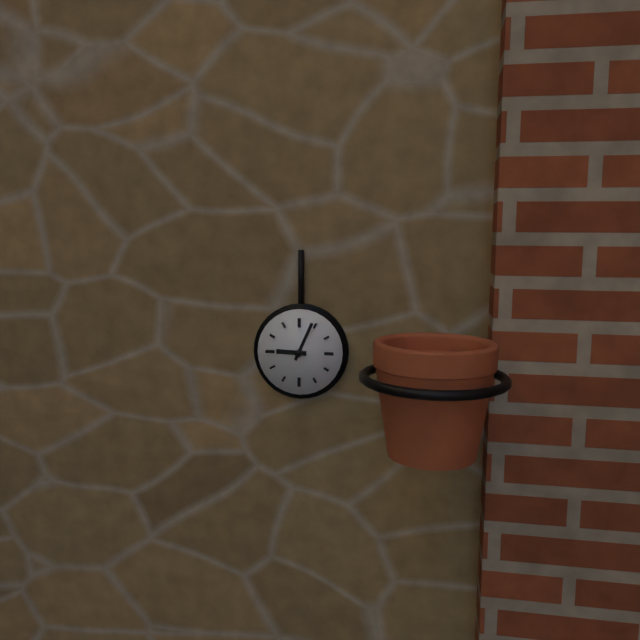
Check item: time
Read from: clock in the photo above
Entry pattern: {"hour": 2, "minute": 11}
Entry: {"hour": 9, "minute": 4}
